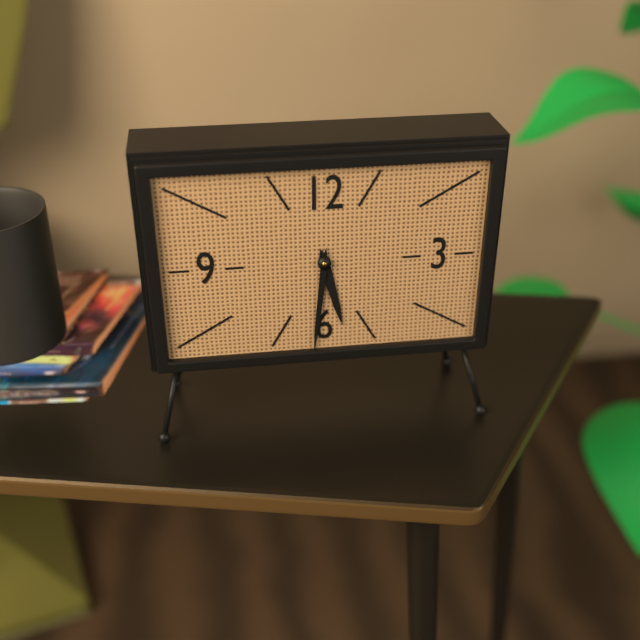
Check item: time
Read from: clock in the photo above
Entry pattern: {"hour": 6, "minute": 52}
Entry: {"hour": 5, "minute": 31}
